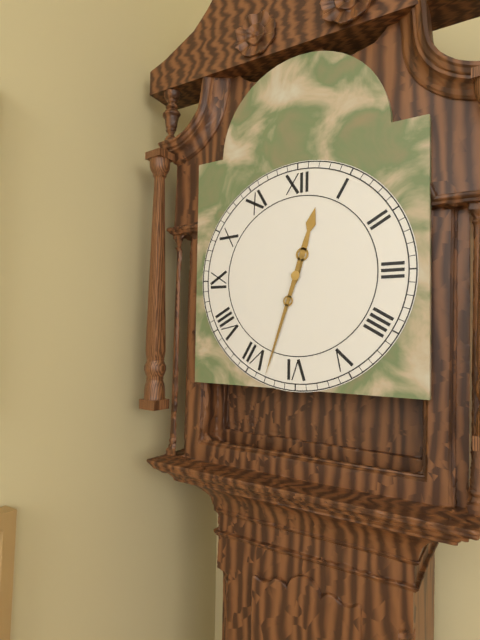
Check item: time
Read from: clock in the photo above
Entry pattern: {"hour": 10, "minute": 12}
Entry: {"hour": 12, "minute": 33}
